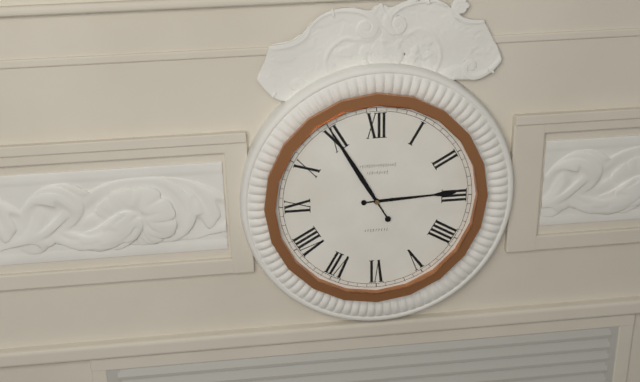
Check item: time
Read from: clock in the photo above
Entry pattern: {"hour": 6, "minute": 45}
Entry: {"hour": 2, "minute": 55}
